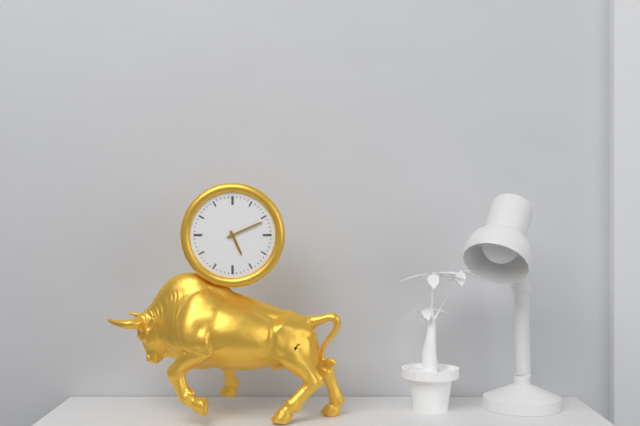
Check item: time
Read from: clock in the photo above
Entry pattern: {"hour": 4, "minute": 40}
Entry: {"hour": 5, "minute": 11}
